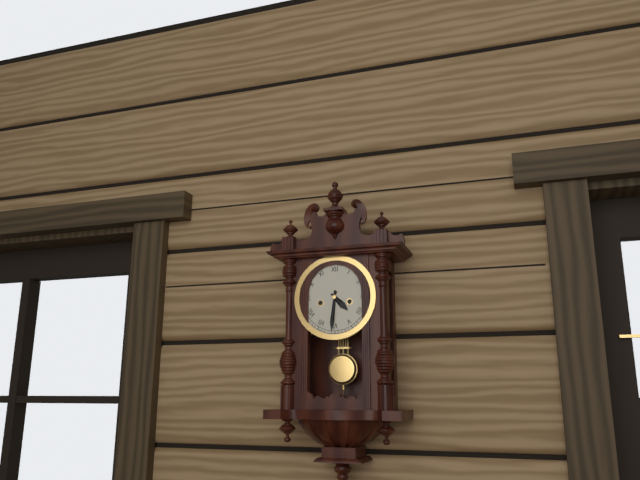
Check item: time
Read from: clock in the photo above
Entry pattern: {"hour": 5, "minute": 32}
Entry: {"hour": 4, "minute": 31}
